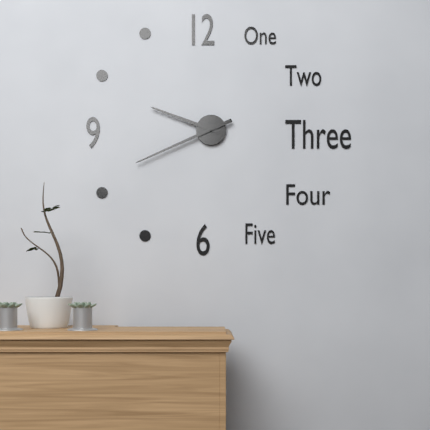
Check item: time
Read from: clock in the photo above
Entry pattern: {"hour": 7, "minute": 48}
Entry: {"hour": 9, "minute": 41}
